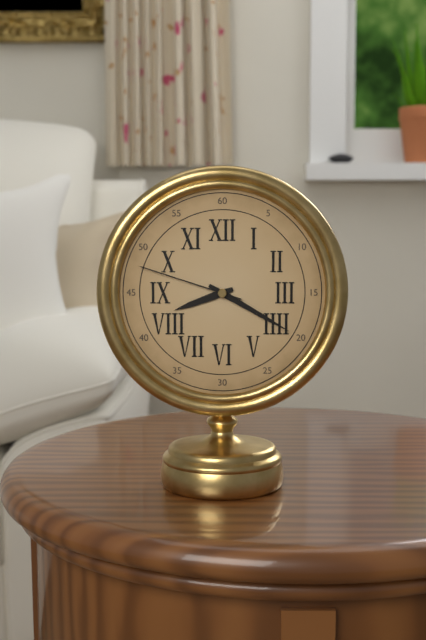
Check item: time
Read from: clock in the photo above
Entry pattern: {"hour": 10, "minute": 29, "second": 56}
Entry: {"hour": 8, "minute": 20, "second": 48}
